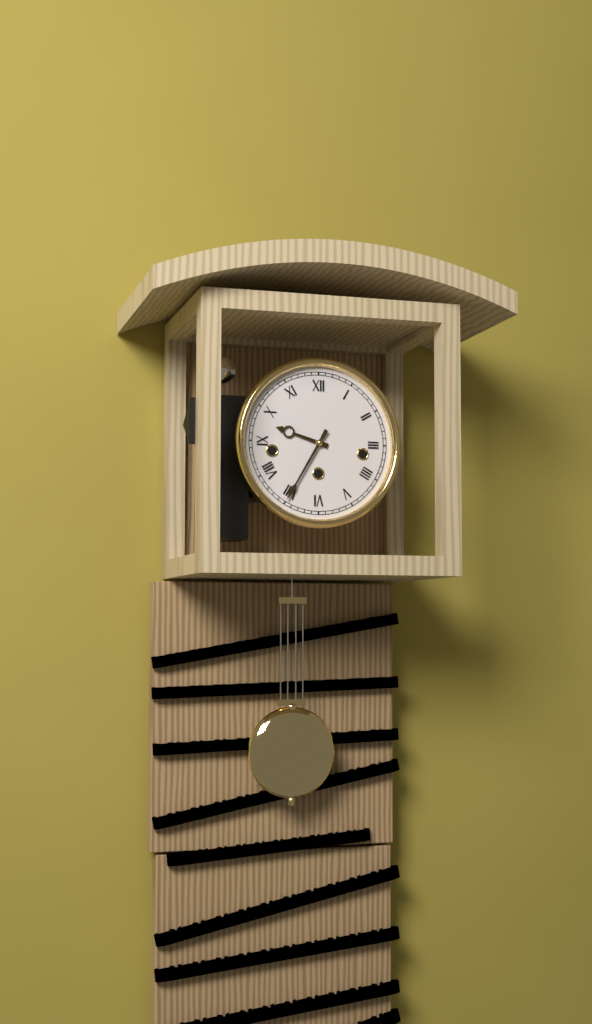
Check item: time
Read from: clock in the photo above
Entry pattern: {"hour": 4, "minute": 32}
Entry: {"hour": 9, "minute": 35}
